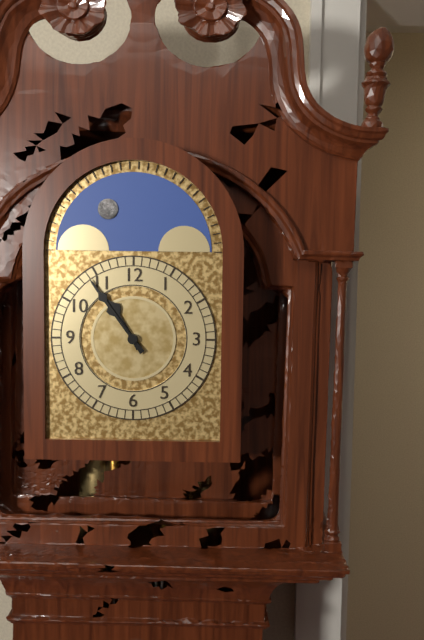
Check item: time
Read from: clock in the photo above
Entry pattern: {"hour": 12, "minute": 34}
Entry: {"hour": 10, "minute": 54}
